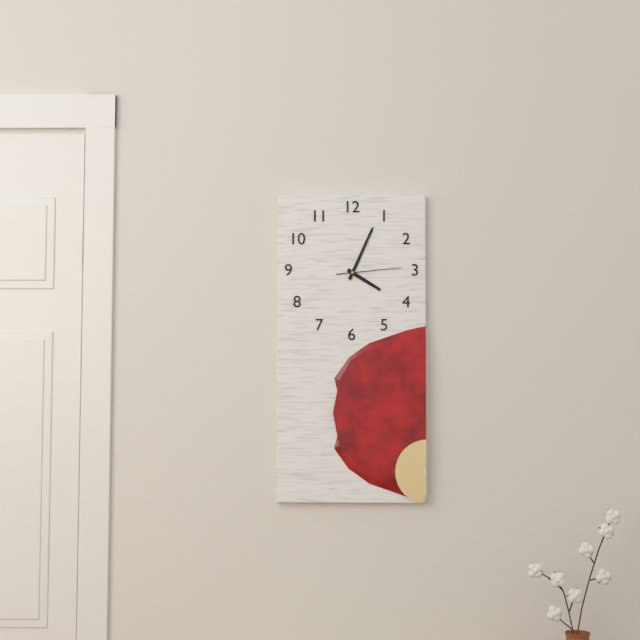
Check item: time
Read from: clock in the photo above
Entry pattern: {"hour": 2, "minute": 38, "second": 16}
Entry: {"hour": 4, "minute": 4, "second": 14}
